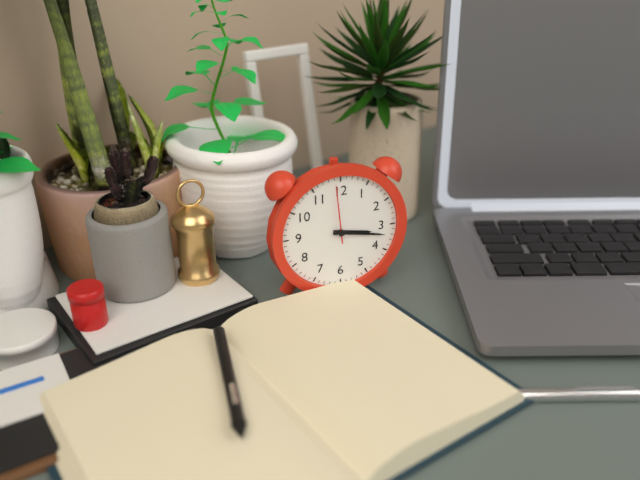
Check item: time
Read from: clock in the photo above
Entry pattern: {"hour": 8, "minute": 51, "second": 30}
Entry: {"hour": 3, "minute": 17, "second": 59}
